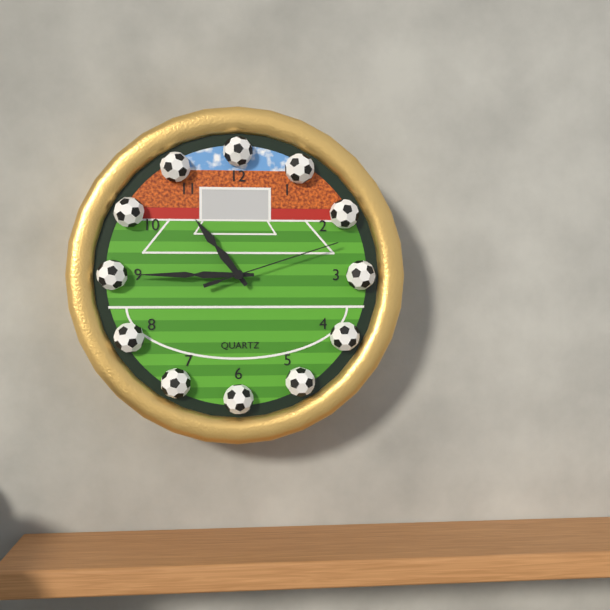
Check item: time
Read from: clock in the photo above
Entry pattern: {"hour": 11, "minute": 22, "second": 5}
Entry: {"hour": 10, "minute": 45, "second": 12}
